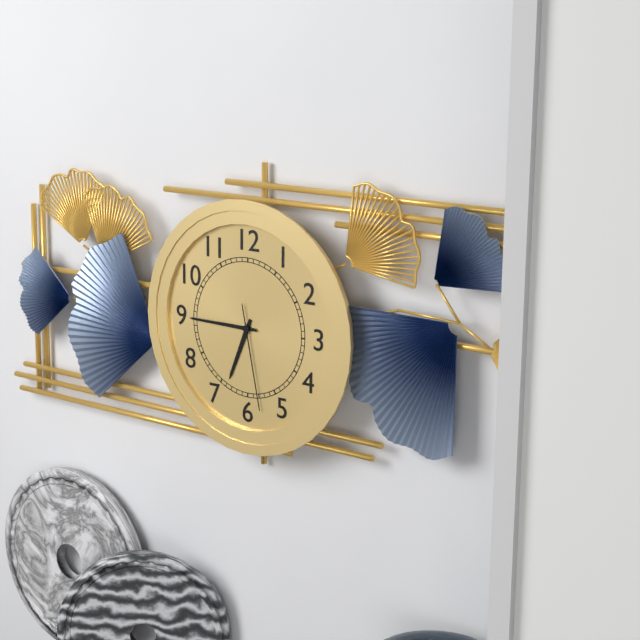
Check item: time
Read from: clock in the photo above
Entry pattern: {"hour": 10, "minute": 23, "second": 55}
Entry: {"hour": 6, "minute": 45, "second": 28}
